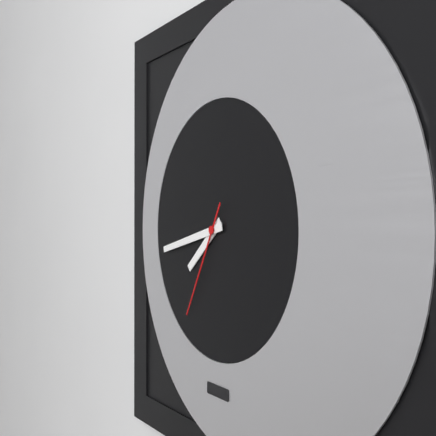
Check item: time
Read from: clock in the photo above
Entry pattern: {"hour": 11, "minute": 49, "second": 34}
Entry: {"hour": 7, "minute": 43, "second": 35}
